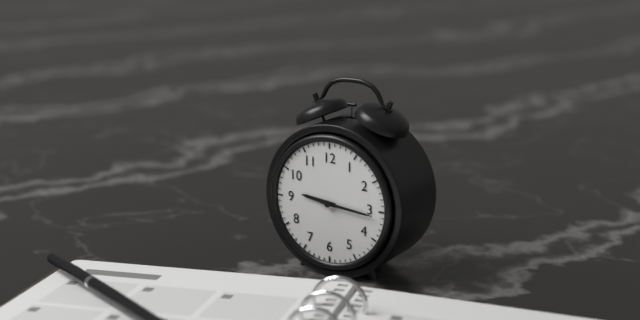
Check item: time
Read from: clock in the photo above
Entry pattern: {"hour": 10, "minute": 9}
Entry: {"hour": 9, "minute": 16}
